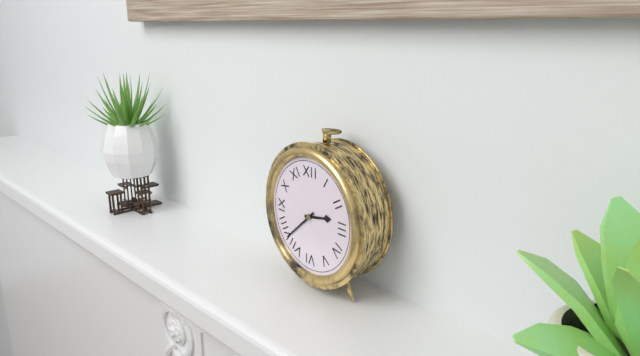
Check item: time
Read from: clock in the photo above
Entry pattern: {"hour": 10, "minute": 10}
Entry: {"hour": 2, "minute": 38}
